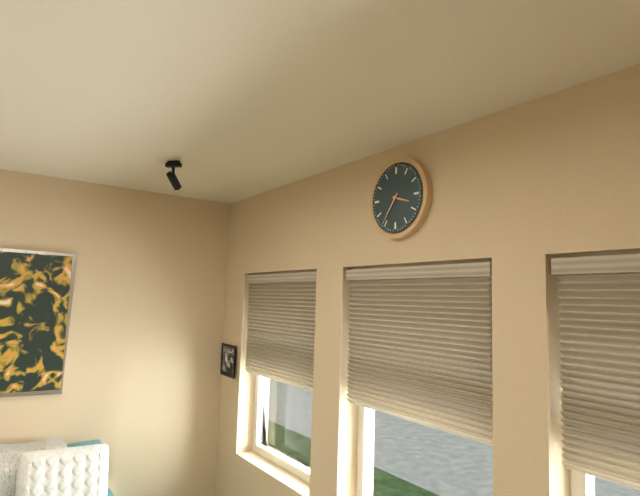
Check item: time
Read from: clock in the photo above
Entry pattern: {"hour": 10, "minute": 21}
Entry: {"hour": 3, "minute": 36}
